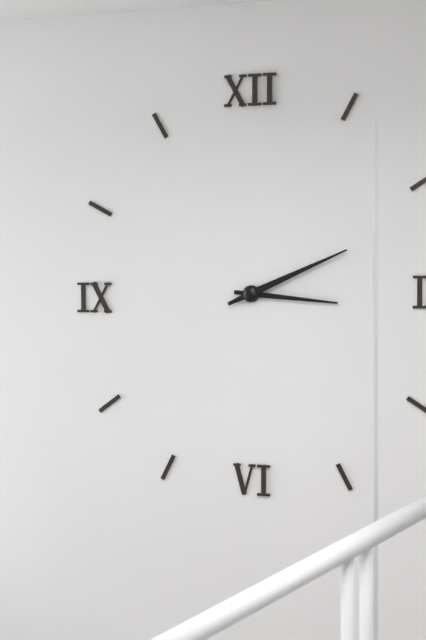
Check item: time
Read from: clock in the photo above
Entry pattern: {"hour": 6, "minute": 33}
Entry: {"hour": 3, "minute": 11}
